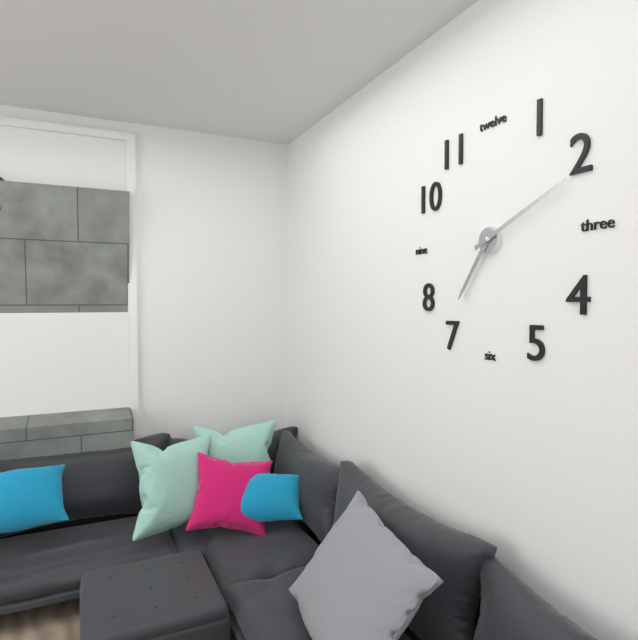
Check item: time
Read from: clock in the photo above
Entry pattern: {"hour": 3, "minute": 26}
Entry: {"hour": 7, "minute": 11}
